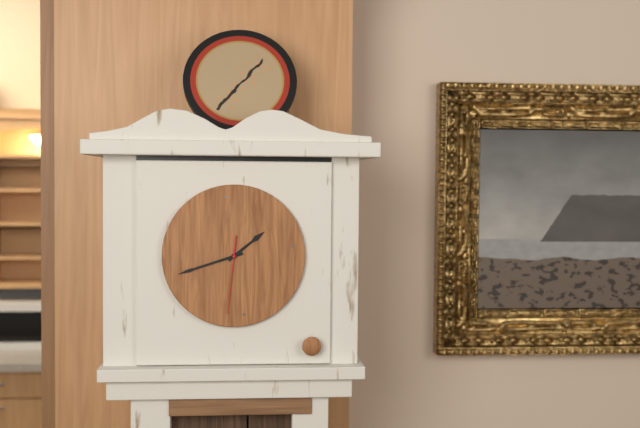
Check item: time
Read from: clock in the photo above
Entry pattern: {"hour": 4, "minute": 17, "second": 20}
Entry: {"hour": 1, "minute": 42, "second": 31}
